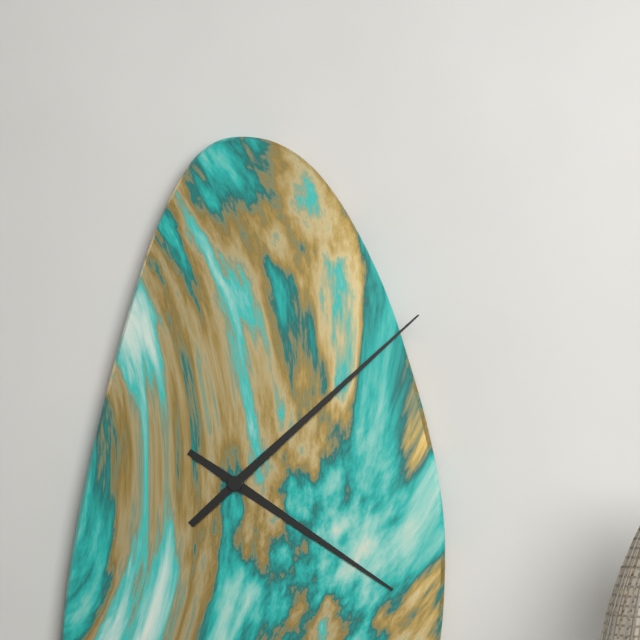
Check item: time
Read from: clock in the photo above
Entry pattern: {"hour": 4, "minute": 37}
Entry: {"hour": 4, "minute": 8}
